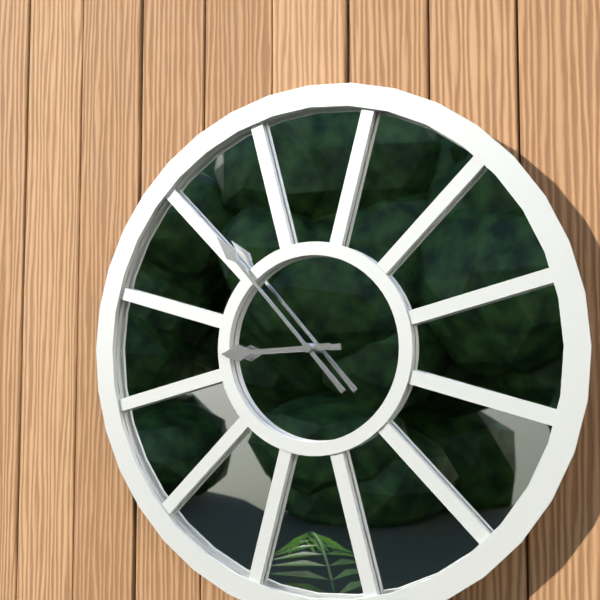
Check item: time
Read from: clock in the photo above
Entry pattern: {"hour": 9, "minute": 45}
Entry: {"hour": 8, "minute": 53}
